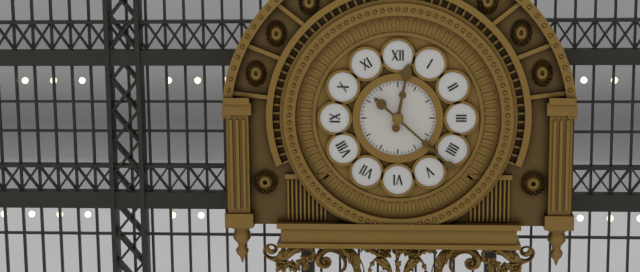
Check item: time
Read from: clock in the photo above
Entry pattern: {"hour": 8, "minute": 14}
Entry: {"hour": 12, "minute": 22}
